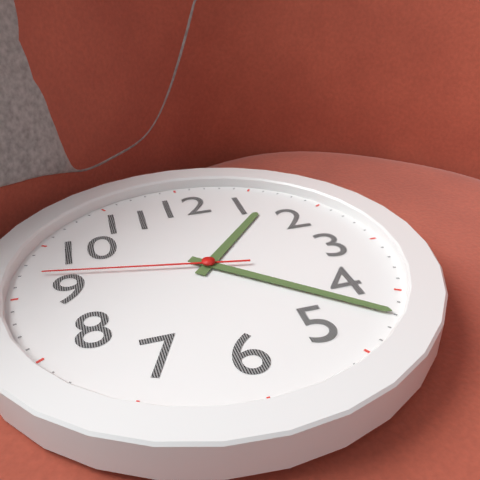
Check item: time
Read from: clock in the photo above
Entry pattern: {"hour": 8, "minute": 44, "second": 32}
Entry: {"hour": 1, "minute": 22, "second": 47}
